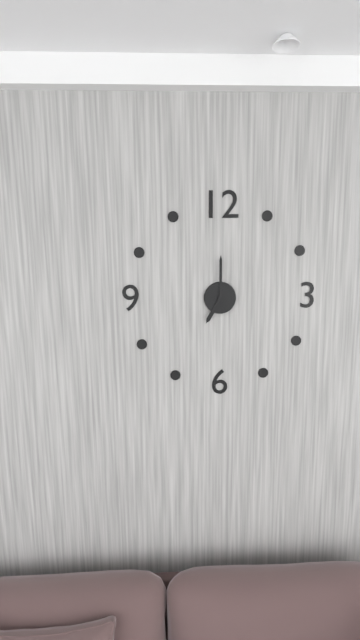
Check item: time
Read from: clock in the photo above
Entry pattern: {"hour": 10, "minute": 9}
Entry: {"hour": 7, "minute": 0}
